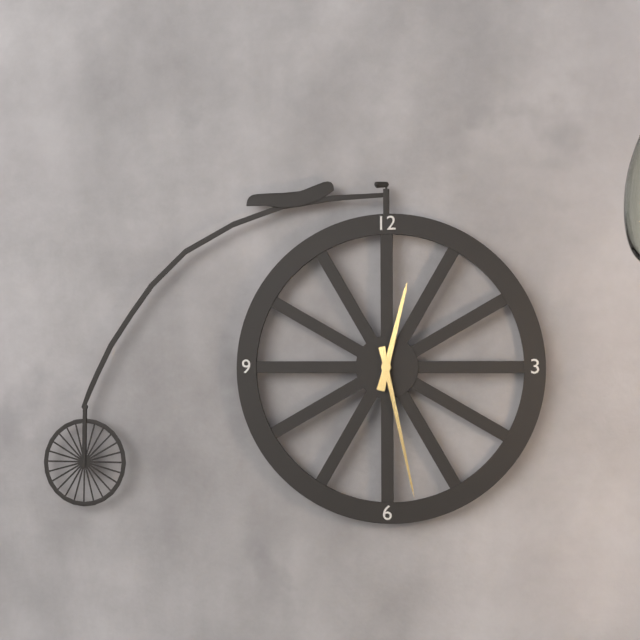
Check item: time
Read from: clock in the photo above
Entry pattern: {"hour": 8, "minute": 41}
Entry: {"hour": 12, "minute": 28}
